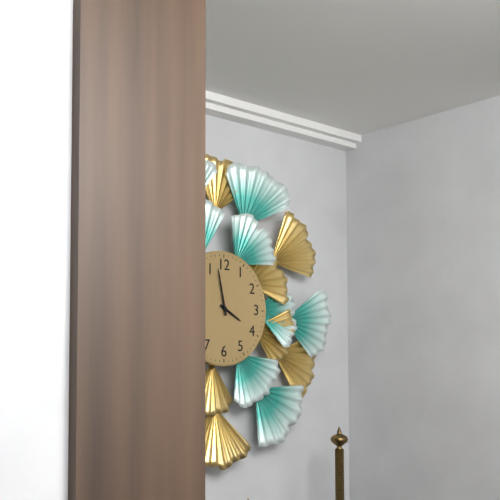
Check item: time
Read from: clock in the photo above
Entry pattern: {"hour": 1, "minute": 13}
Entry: {"hour": 3, "minute": 58}
